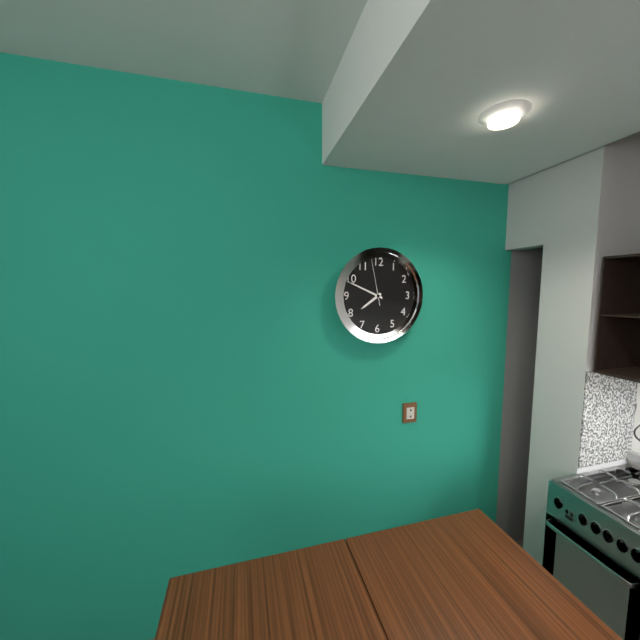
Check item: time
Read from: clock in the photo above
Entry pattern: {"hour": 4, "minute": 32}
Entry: {"hour": 7, "minute": 49}
